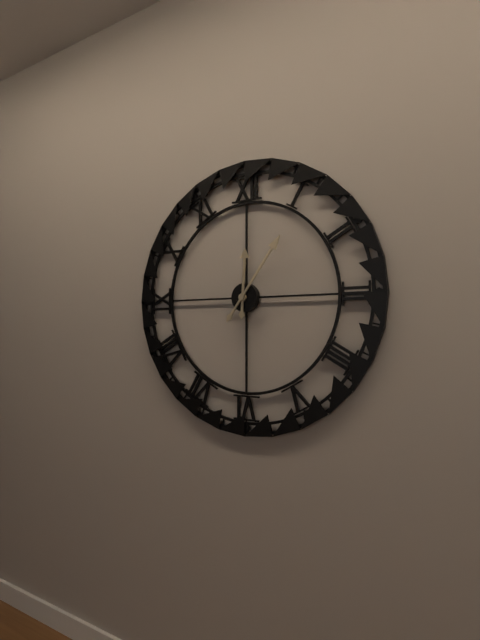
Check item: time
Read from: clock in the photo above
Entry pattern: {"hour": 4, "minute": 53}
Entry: {"hour": 12, "minute": 6}
